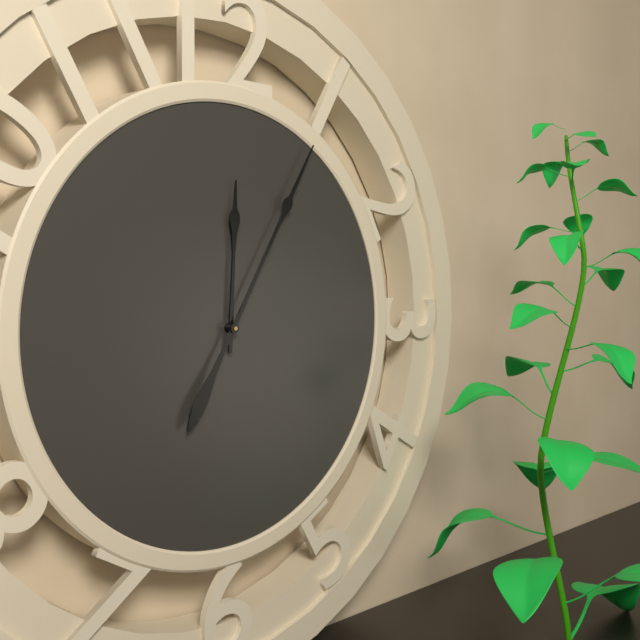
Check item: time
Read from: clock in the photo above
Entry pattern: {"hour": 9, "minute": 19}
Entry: {"hour": 12, "minute": 5}
